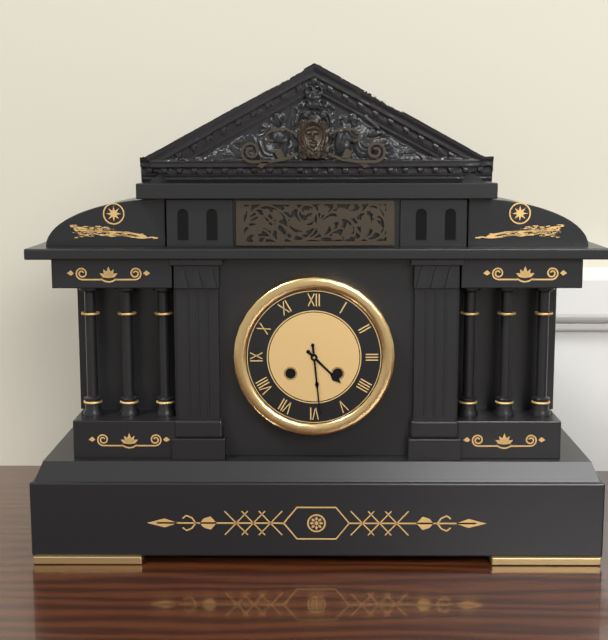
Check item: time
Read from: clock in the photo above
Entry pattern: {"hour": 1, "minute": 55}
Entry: {"hour": 4, "minute": 29}
